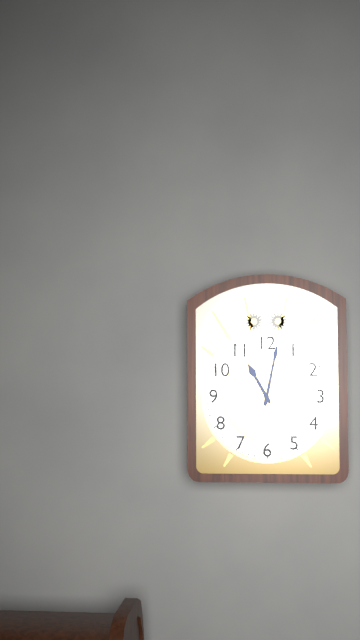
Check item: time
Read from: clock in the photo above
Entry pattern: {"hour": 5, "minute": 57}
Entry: {"hour": 11, "minute": 2}
